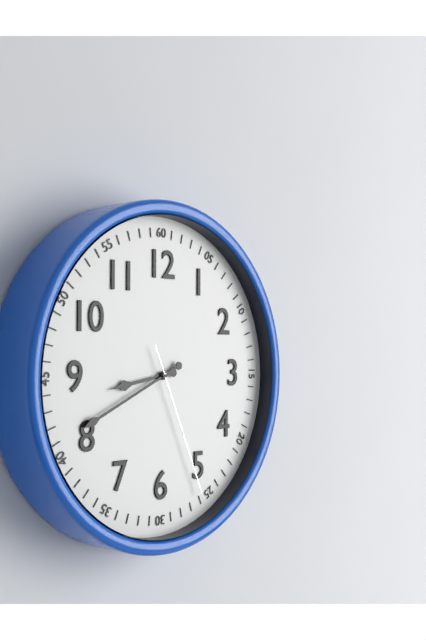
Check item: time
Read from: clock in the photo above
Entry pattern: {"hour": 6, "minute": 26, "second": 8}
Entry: {"hour": 8, "minute": 41, "second": 26}
